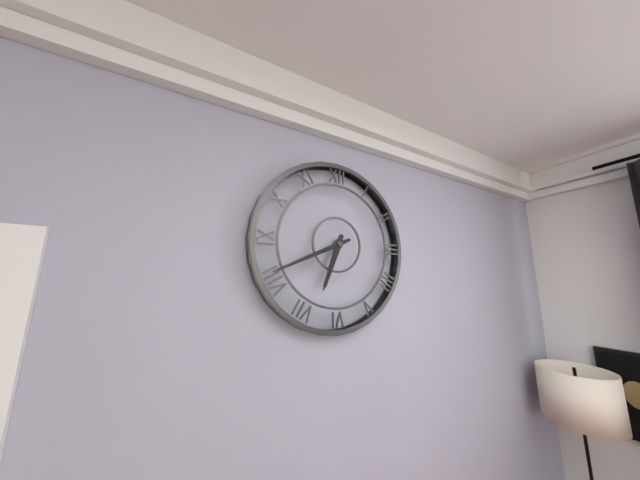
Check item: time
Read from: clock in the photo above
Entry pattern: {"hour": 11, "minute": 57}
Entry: {"hour": 6, "minute": 41}
